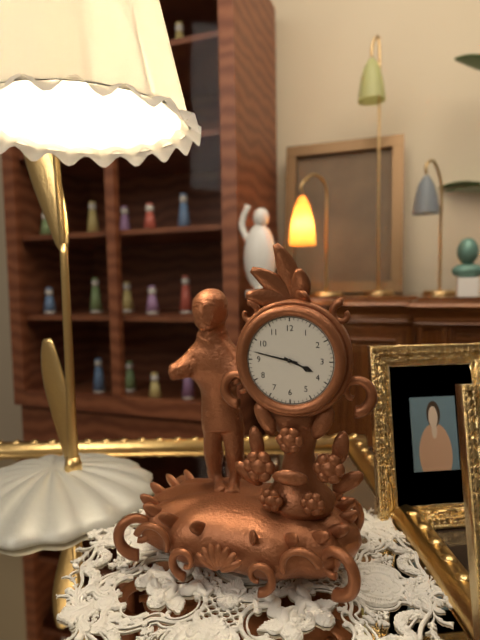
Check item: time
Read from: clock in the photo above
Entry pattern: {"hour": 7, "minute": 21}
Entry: {"hour": 3, "minute": 47}
